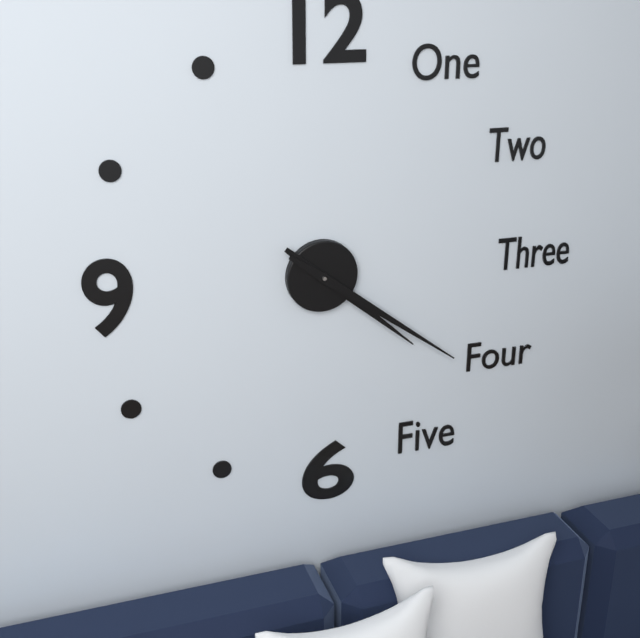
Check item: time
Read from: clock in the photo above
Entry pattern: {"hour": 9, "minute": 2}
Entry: {"hour": 4, "minute": 21}
